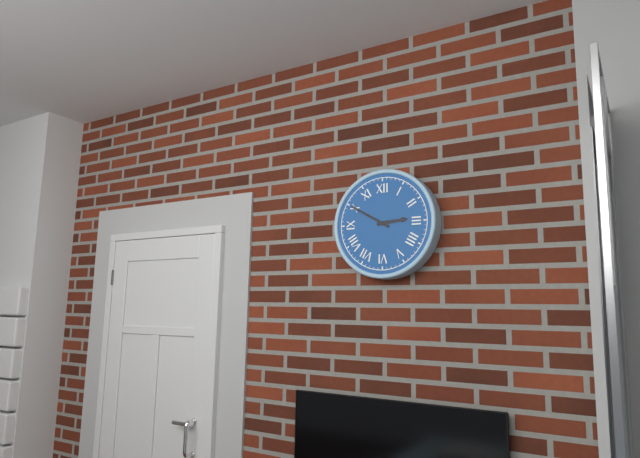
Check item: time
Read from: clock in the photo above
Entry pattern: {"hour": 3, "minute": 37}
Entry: {"hour": 2, "minute": 50}
